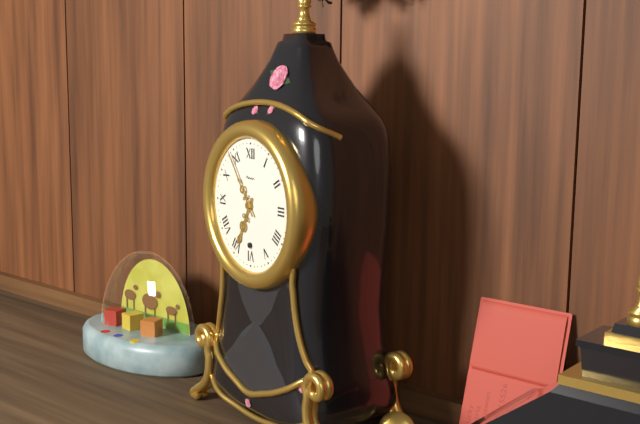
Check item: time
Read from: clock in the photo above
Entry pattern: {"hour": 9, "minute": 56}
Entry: {"hour": 6, "minute": 54}
